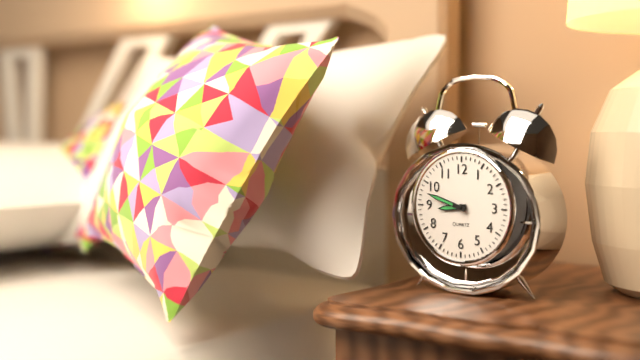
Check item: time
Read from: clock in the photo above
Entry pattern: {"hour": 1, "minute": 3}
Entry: {"hour": 8, "minute": 48}
